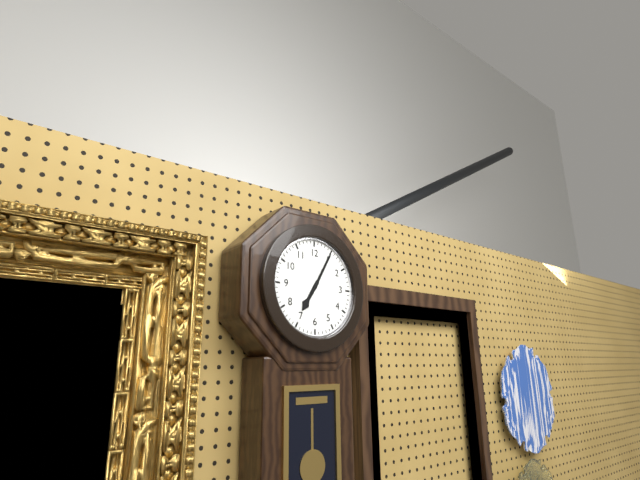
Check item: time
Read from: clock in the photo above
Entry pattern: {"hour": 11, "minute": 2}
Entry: {"hour": 7, "minute": 5}
